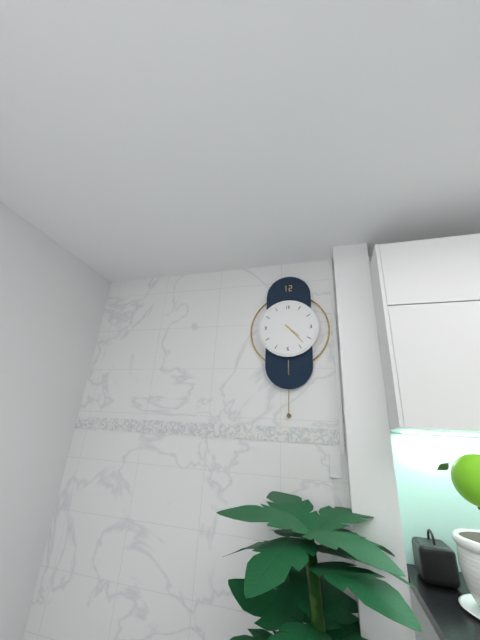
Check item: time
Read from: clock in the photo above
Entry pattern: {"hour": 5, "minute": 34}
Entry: {"hour": 4, "minute": 23}
